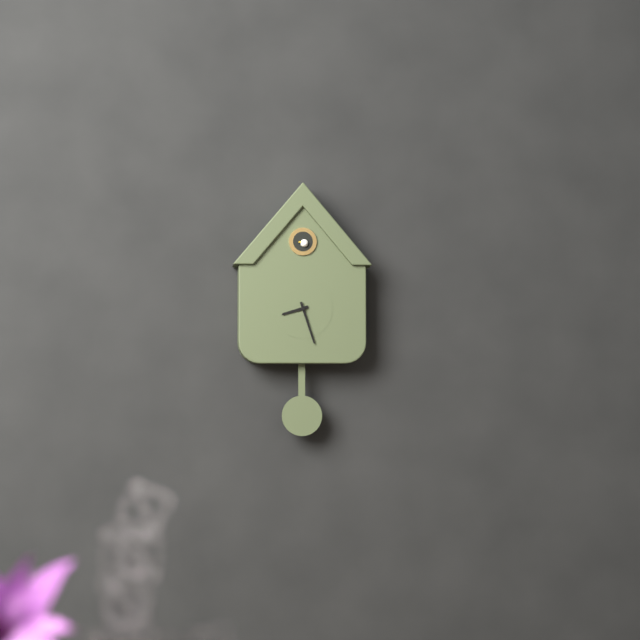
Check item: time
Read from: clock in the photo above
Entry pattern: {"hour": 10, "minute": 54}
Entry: {"hour": 8, "minute": 27}
